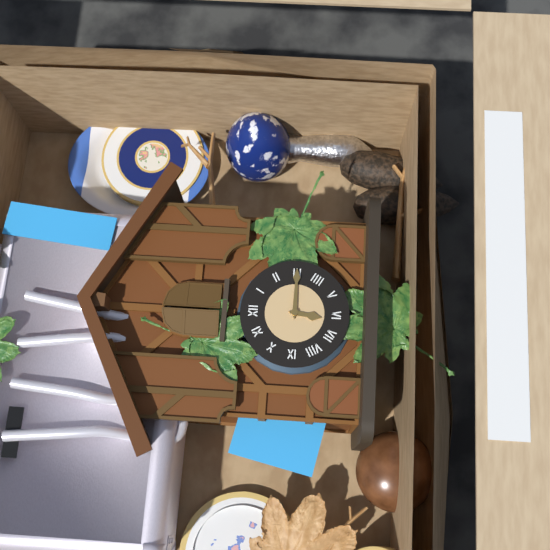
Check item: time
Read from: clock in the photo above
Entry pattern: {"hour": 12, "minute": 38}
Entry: {"hour": 6, "minute": 15}
